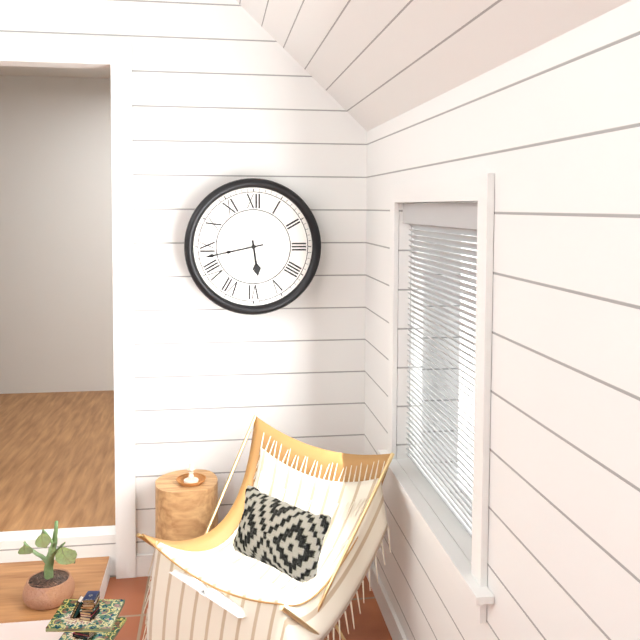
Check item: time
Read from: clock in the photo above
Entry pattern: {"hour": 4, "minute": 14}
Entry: {"hour": 5, "minute": 43}
